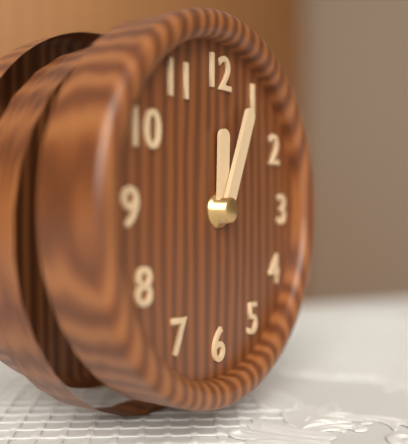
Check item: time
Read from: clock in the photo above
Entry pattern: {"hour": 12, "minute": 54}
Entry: {"hour": 12, "minute": 4}
